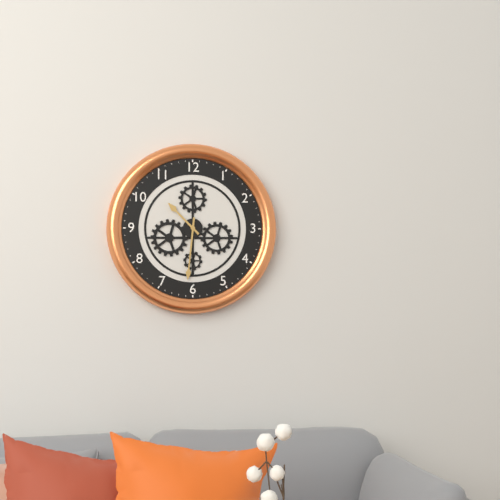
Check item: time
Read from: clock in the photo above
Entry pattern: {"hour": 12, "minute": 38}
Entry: {"hour": 10, "minute": 31}
